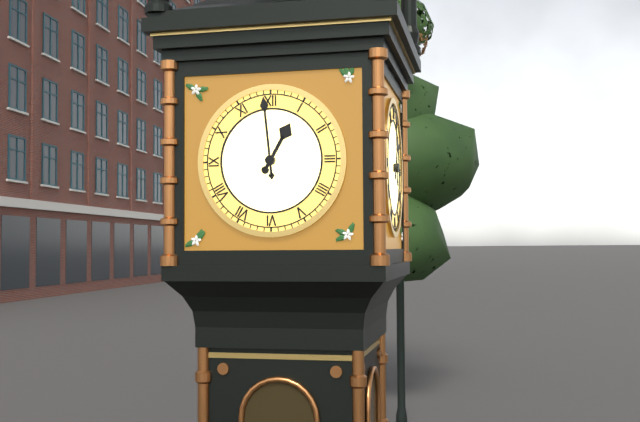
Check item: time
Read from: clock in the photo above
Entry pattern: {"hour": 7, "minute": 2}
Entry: {"hour": 12, "minute": 59}
